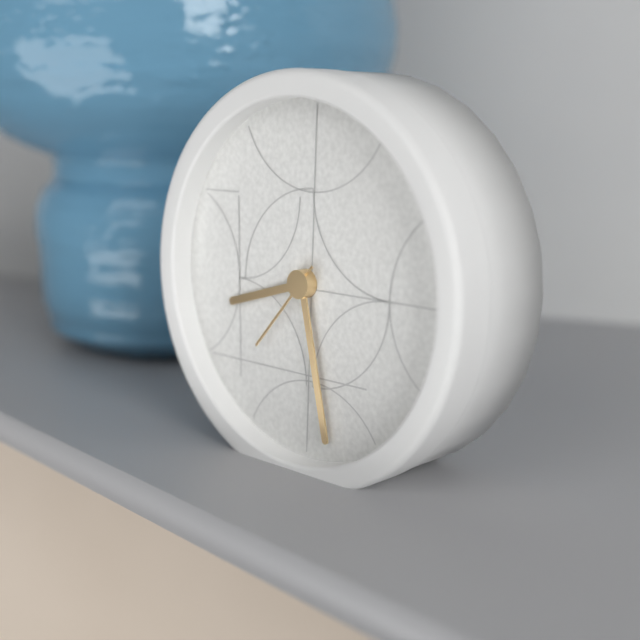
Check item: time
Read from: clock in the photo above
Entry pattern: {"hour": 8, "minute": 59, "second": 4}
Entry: {"hour": 8, "minute": 28, "second": 37}
